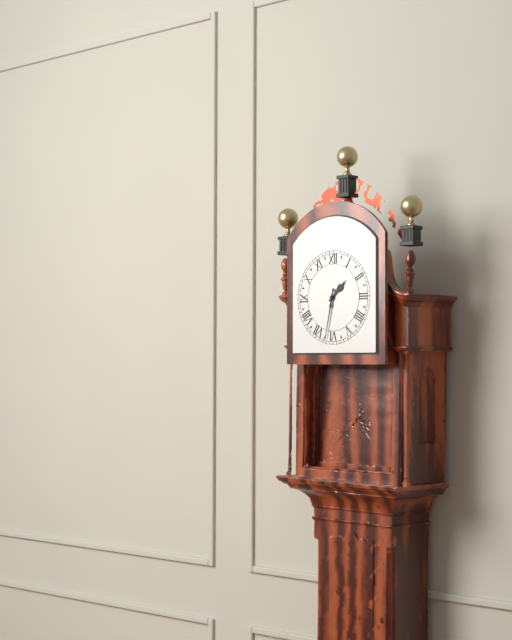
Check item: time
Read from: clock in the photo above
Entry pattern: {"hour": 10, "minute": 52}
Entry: {"hour": 1, "minute": 32}
